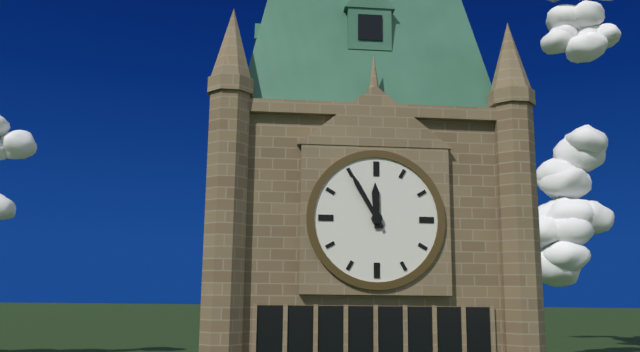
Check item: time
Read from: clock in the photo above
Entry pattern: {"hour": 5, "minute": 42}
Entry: {"hour": 11, "minute": 55}
